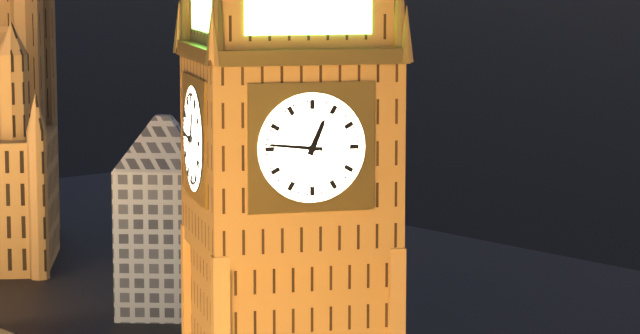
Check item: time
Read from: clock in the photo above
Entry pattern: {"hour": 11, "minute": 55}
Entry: {"hour": 12, "minute": 46}
